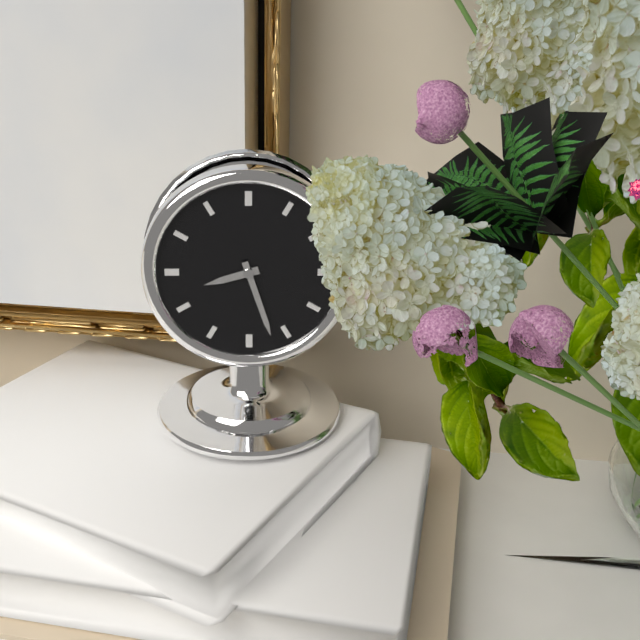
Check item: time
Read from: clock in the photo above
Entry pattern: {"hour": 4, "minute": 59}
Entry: {"hour": 8, "minute": 27}
